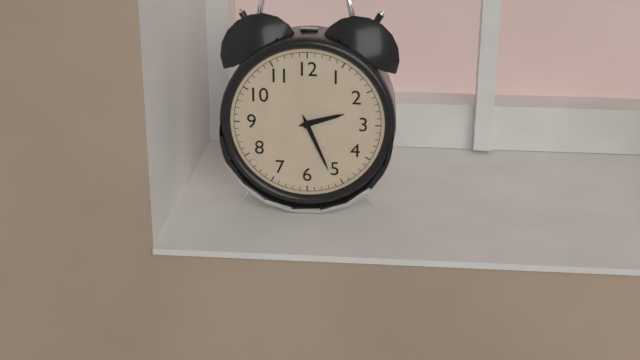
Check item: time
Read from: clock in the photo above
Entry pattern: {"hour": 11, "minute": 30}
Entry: {"hour": 2, "minute": 26}
